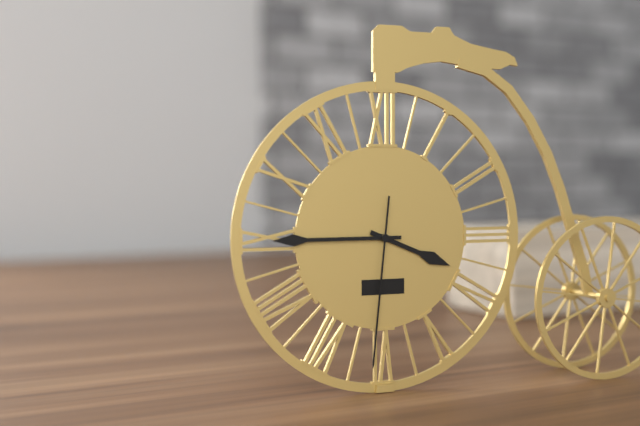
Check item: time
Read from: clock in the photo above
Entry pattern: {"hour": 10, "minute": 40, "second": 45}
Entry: {"hour": 3, "minute": 45, "second": 31}
